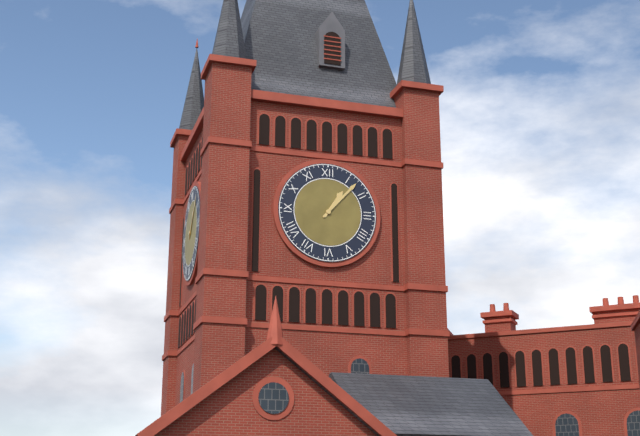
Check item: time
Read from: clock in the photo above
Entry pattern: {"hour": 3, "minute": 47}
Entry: {"hour": 1, "minute": 7}
